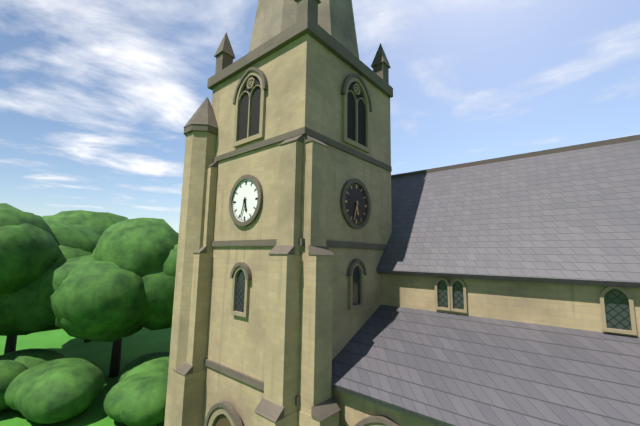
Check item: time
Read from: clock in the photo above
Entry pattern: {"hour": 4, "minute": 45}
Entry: {"hour": 5, "minute": 33}
